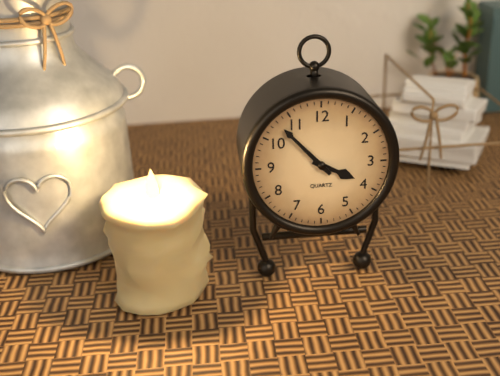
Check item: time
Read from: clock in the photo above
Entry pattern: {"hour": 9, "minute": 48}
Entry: {"hour": 3, "minute": 53}
